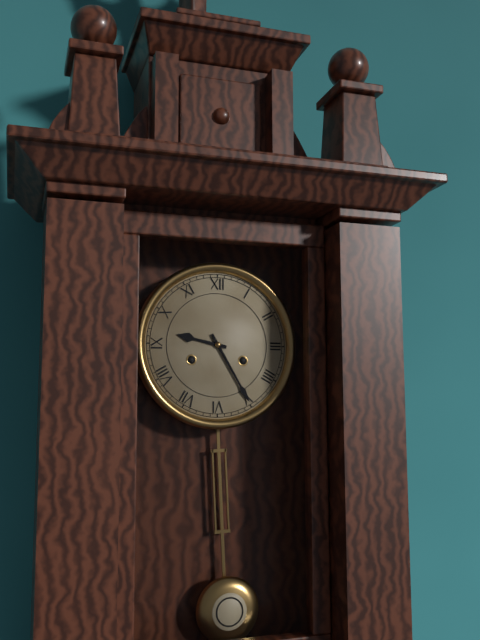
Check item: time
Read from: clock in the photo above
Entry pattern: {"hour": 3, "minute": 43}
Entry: {"hour": 9, "minute": 25}
